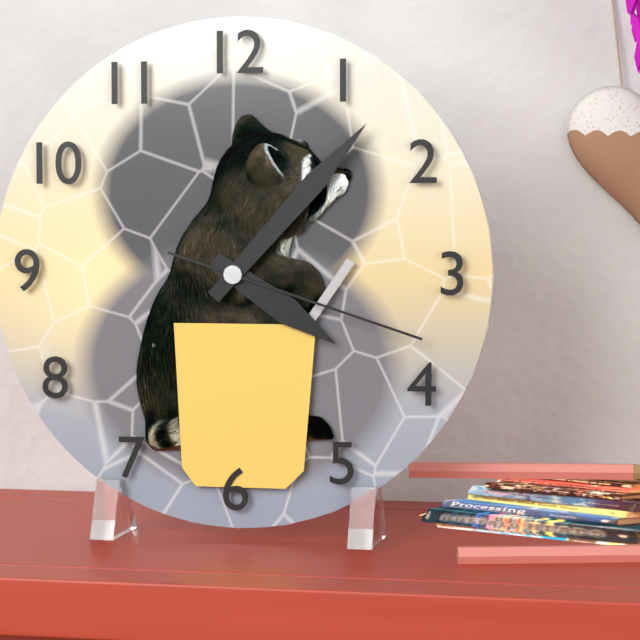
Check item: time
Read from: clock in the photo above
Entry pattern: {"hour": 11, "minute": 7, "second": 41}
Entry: {"hour": 4, "minute": 7, "second": 18}
